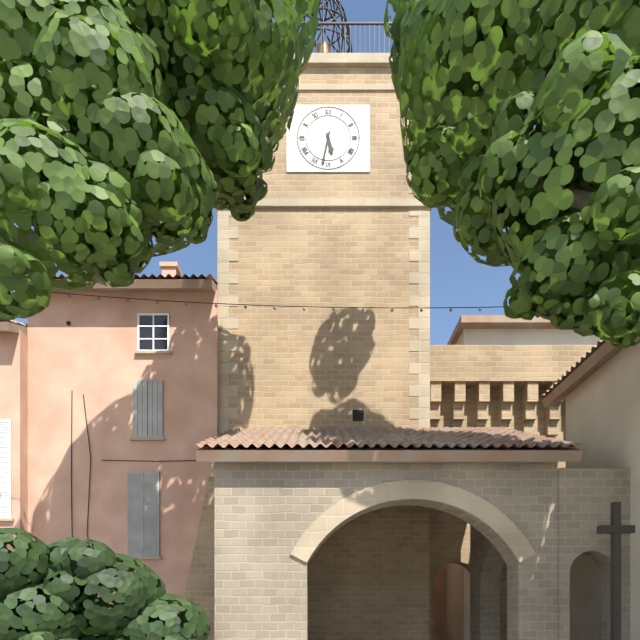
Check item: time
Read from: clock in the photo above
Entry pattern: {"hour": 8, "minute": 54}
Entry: {"hour": 5, "minute": 32}
